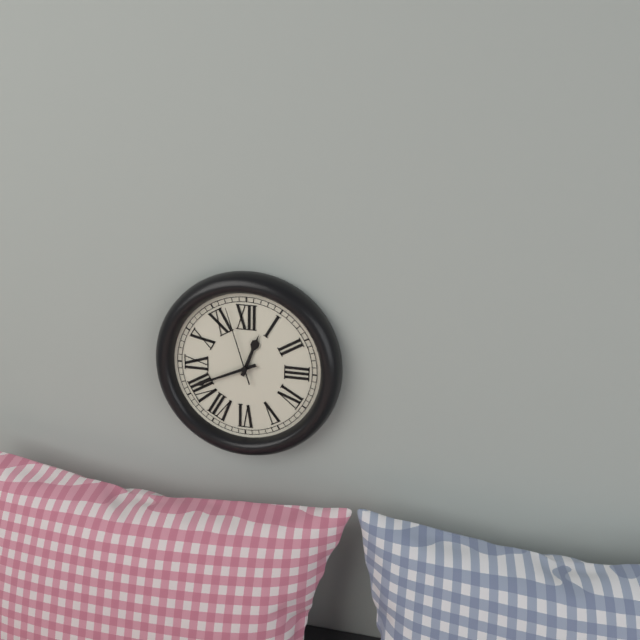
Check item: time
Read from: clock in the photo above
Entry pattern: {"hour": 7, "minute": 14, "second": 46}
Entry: {"hour": 12, "minute": 41, "second": 57}
